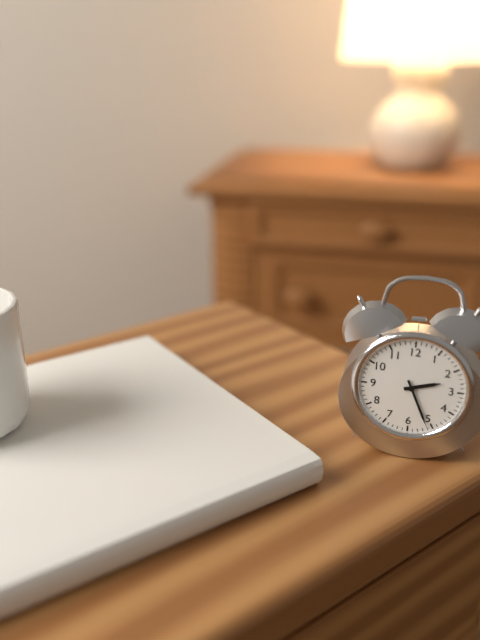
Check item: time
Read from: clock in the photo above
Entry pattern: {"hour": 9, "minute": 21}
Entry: {"hour": 2, "minute": 26}
